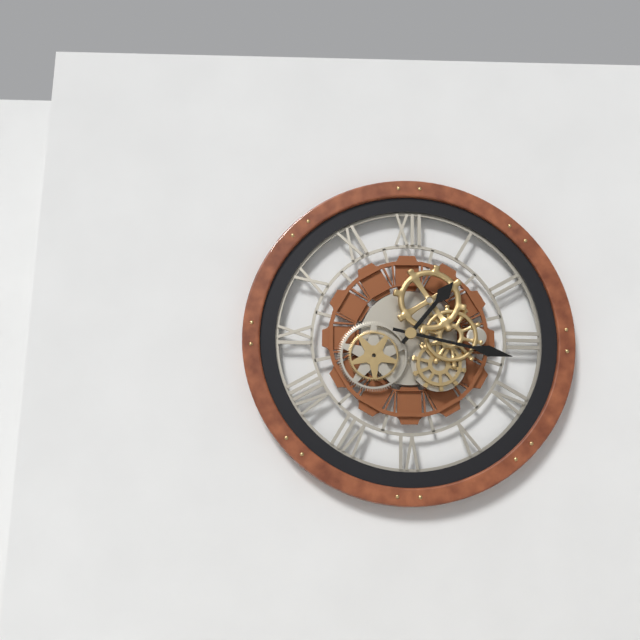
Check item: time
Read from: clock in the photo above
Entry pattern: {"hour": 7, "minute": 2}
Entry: {"hour": 1, "minute": 17}
